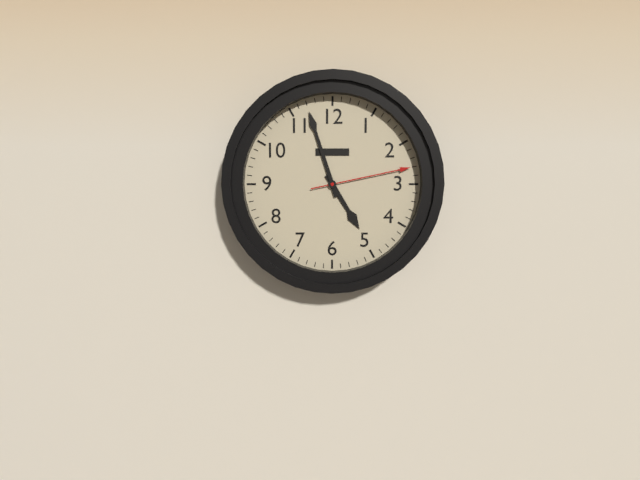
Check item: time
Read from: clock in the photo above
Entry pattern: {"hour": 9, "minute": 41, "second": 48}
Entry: {"hour": 4, "minute": 57, "second": 13}
